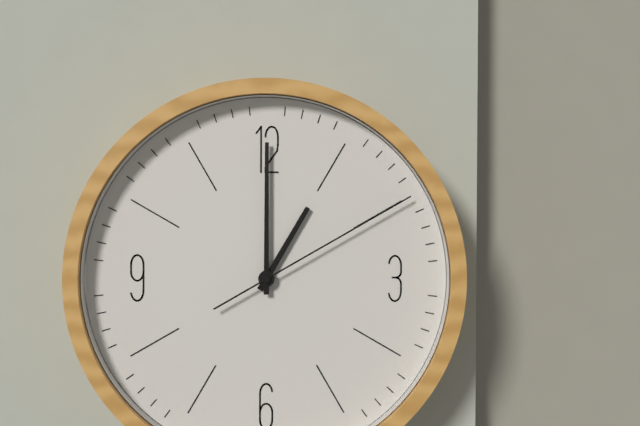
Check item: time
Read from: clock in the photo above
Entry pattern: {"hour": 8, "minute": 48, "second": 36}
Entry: {"hour": 1, "minute": 0, "second": 10}
